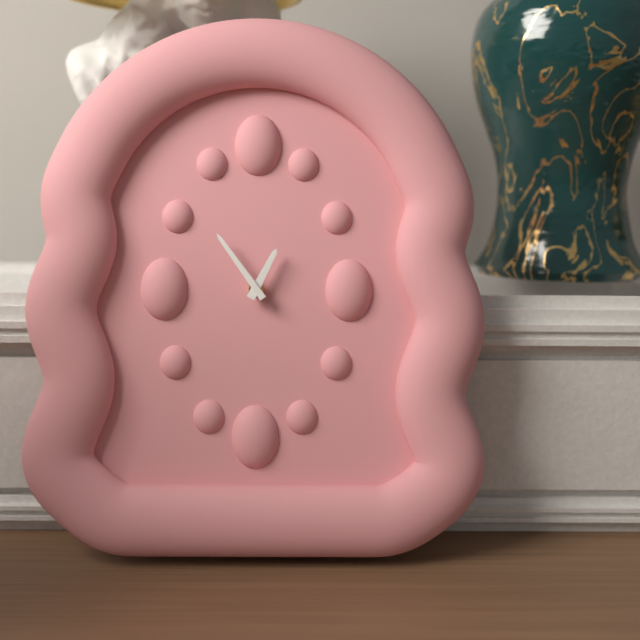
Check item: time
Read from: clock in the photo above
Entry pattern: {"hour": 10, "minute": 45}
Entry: {"hour": 12, "minute": 54}
